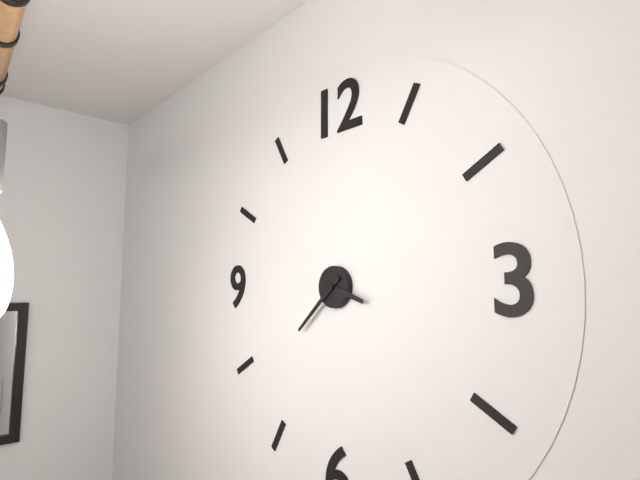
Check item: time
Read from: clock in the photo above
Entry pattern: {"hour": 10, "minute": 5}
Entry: {"hour": 3, "minute": 38}
